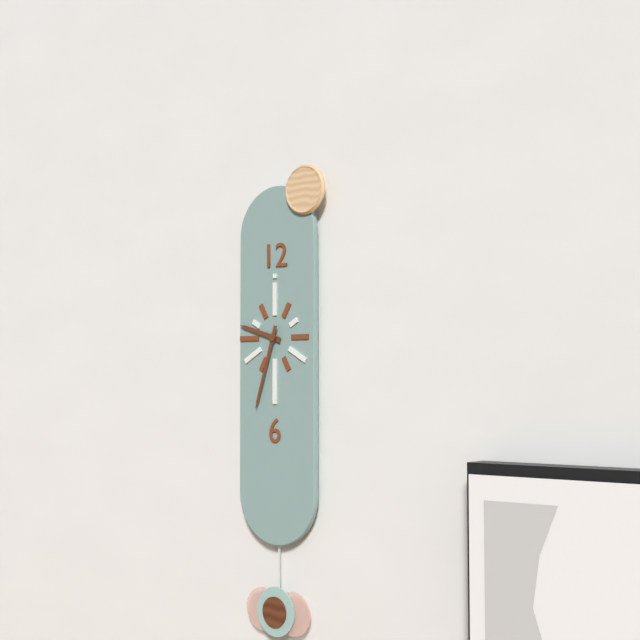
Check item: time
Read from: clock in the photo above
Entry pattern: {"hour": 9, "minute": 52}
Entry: {"hour": 9, "minute": 33}
